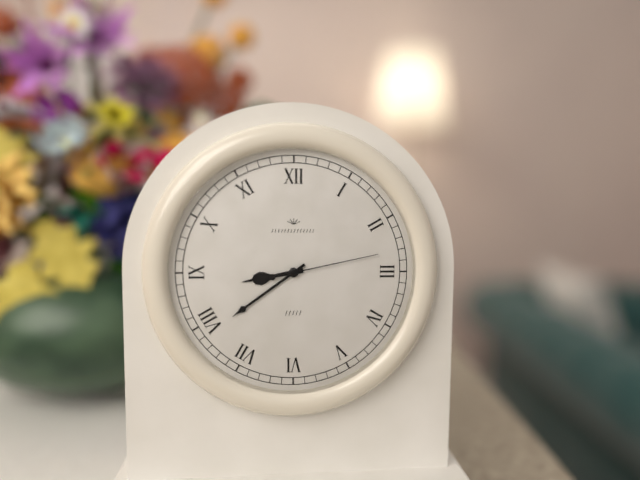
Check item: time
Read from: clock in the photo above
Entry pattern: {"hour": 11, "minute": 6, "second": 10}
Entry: {"hour": 8, "minute": 39, "second": 13}
